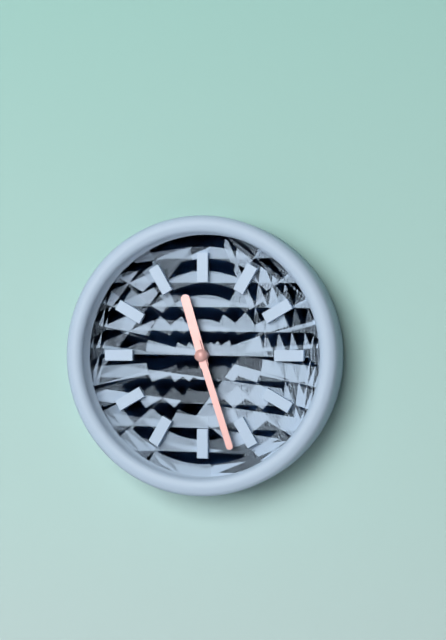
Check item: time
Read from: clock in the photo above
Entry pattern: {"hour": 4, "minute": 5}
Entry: {"hour": 11, "minute": 27}
